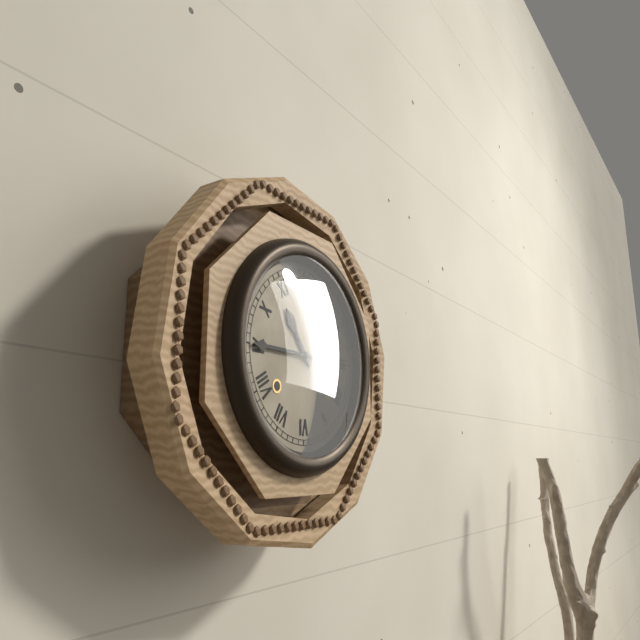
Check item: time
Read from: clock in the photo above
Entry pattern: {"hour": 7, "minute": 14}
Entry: {"hour": 10, "minute": 45}
